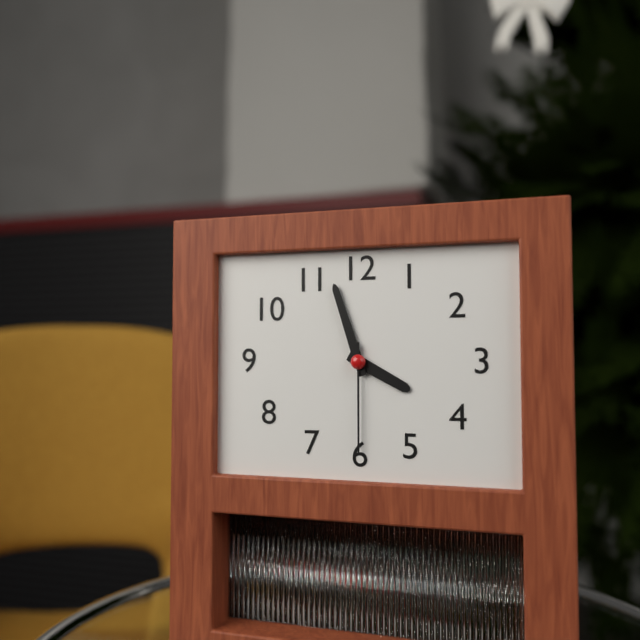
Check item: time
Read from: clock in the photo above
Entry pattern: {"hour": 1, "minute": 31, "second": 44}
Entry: {"hour": 3, "minute": 57, "second": 30}
